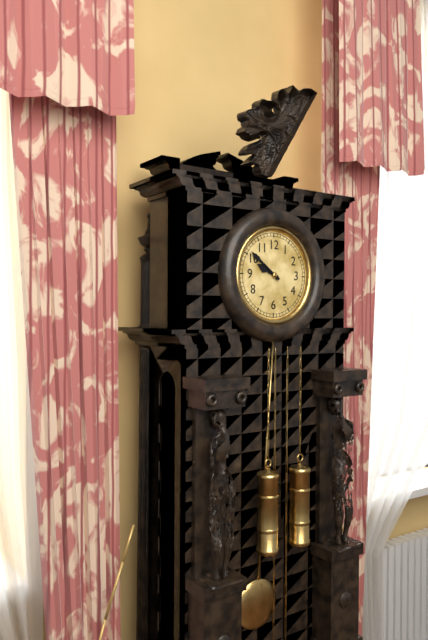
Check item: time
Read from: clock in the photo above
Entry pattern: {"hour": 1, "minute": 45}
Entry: {"hour": 9, "minute": 51}
